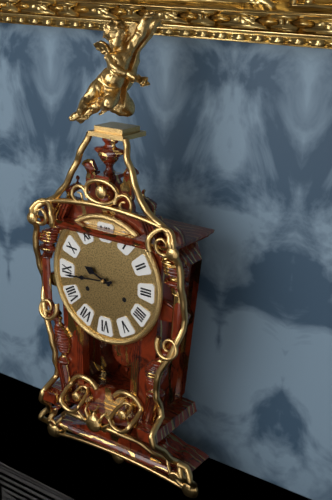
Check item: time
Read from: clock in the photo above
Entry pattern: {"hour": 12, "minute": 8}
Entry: {"hour": 9, "minute": 44}
